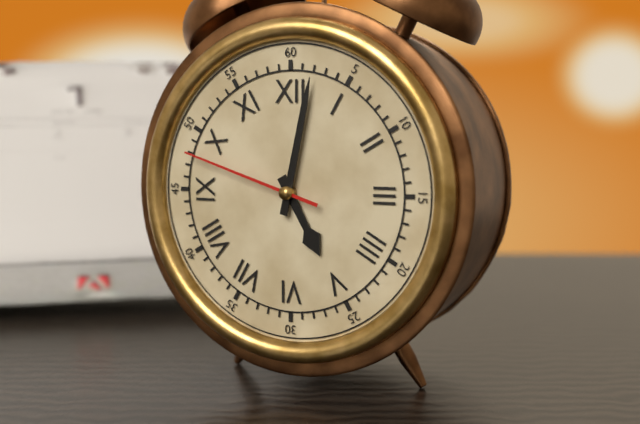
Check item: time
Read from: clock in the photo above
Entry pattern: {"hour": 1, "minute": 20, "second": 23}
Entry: {"hour": 5, "minute": 2, "second": 48}
